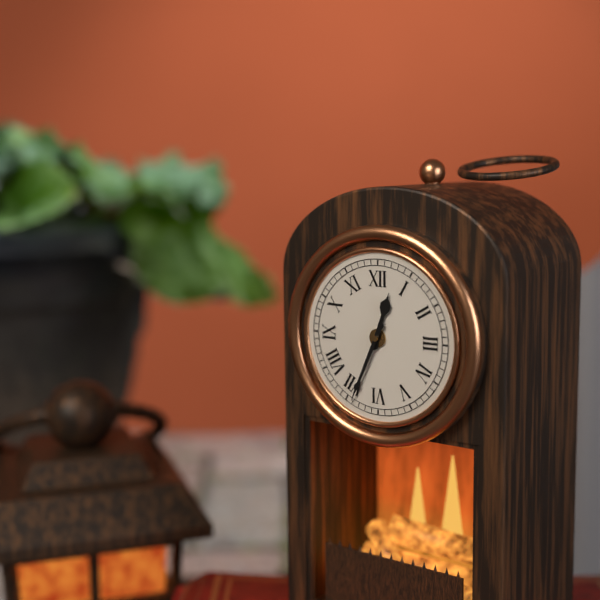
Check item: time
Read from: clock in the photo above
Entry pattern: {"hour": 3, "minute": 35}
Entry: {"hour": 12, "minute": 34}
